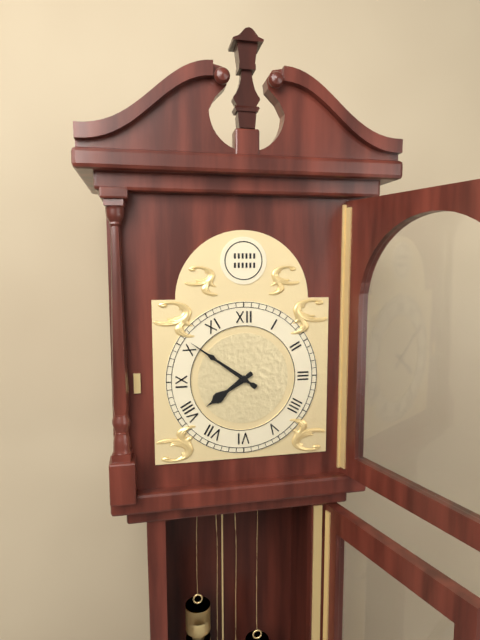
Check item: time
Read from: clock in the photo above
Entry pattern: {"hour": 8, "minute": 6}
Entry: {"hour": 7, "minute": 51}
